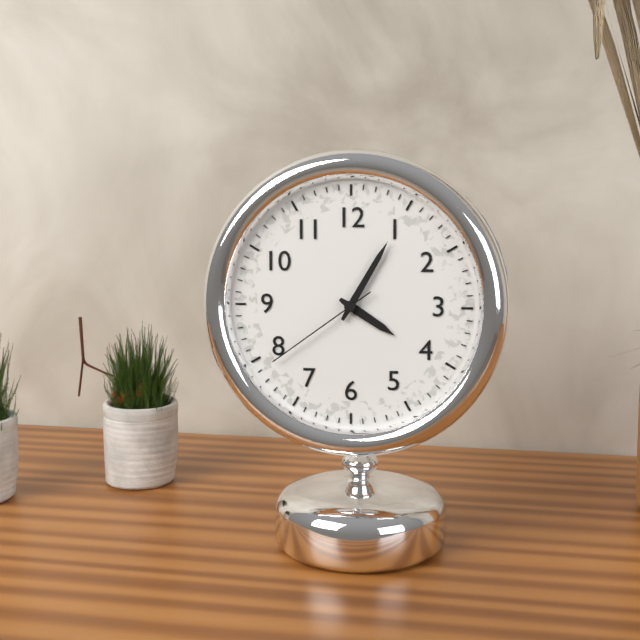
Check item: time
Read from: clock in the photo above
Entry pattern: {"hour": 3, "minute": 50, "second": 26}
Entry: {"hour": 4, "minute": 5, "second": 39}
